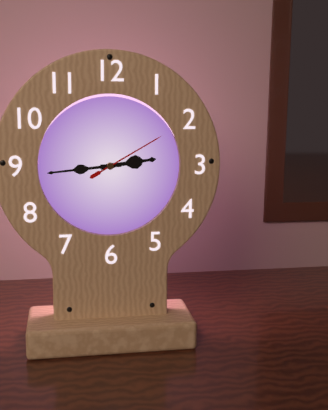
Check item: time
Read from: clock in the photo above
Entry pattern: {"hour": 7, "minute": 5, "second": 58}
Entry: {"hour": 2, "minute": 44, "second": 10}
